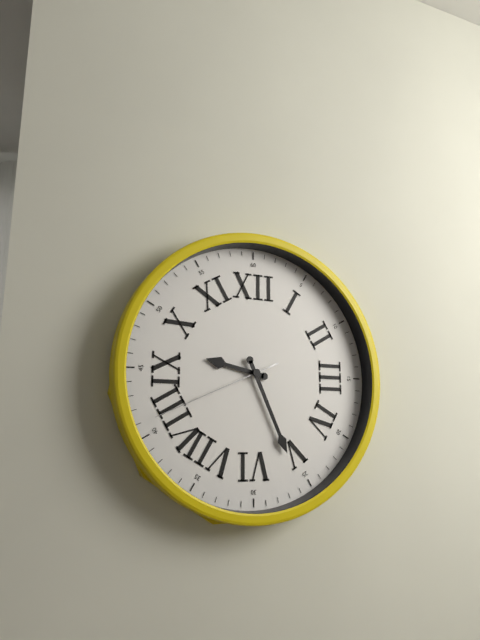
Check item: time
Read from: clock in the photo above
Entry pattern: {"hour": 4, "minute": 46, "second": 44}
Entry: {"hour": 9, "minute": 26, "second": 41}
